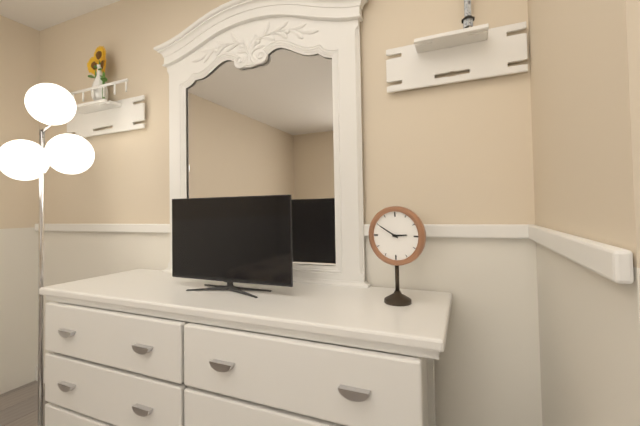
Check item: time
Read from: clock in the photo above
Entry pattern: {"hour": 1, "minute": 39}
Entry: {"hour": 2, "minute": 50}
